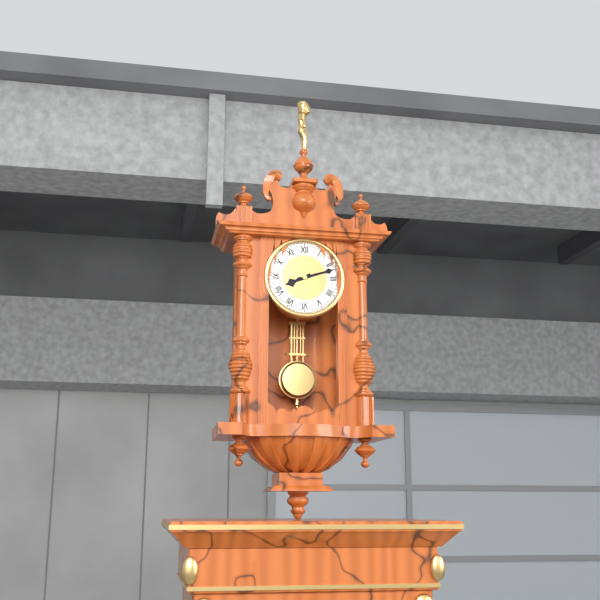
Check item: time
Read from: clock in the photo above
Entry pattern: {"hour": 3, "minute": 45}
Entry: {"hour": 8, "minute": 12}
